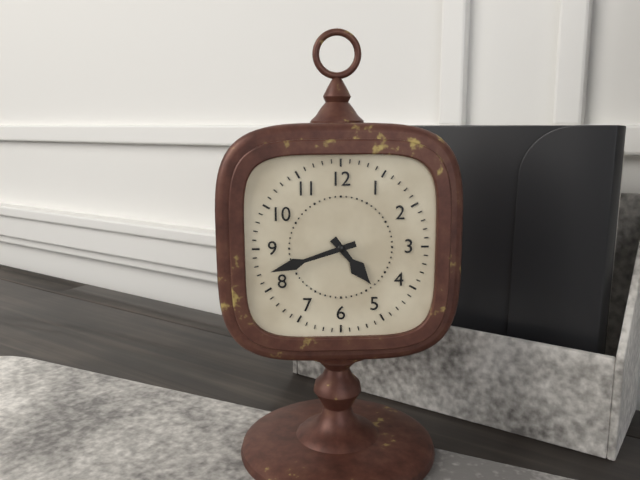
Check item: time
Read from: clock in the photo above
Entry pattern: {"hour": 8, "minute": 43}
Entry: {"hour": 4, "minute": 42}
